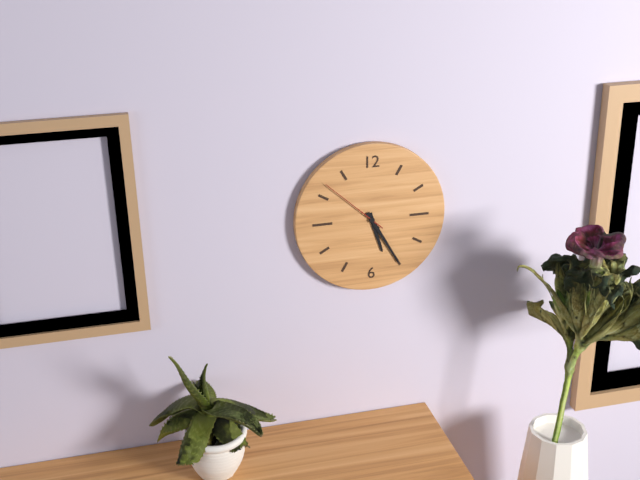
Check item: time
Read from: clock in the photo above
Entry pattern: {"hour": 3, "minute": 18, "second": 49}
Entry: {"hour": 5, "minute": 25, "second": 52}
